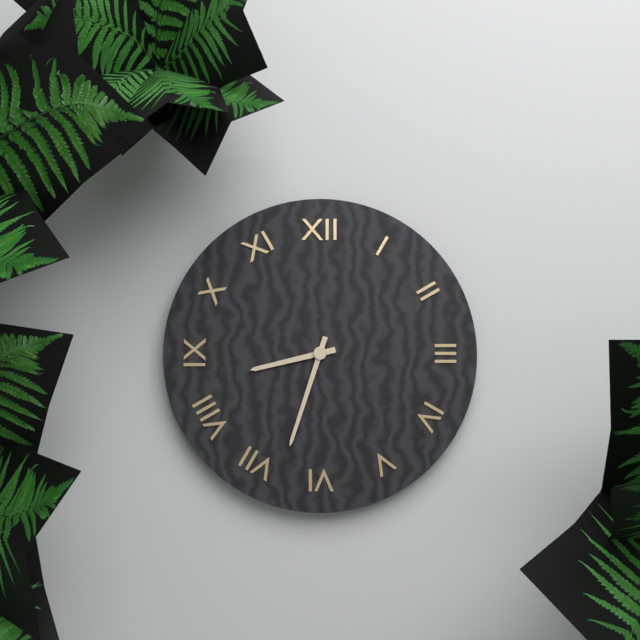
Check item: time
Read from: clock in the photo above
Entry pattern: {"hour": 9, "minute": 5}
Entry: {"hour": 8, "minute": 33}
